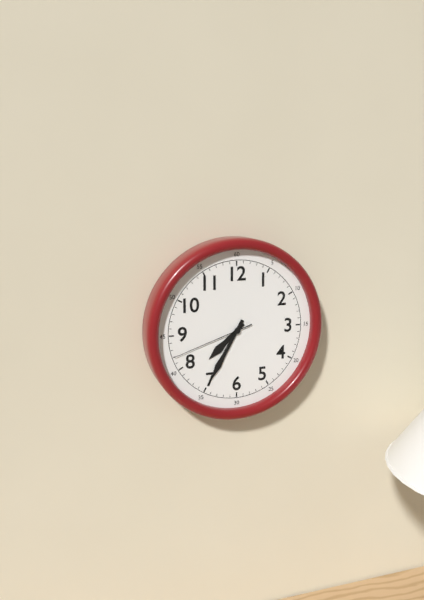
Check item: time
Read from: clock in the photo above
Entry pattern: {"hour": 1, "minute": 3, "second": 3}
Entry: {"hour": 7, "minute": 35, "second": 42}
